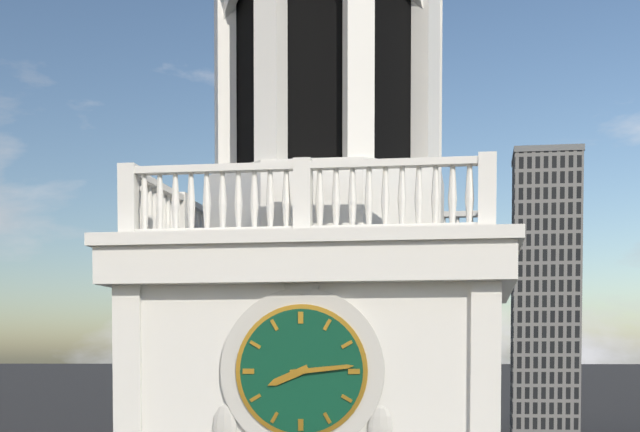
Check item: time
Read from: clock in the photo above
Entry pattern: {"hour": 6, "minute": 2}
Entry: {"hour": 8, "minute": 14}
